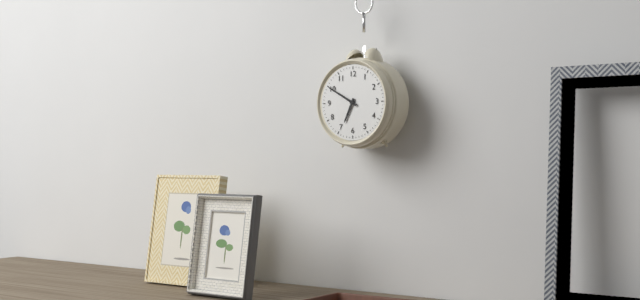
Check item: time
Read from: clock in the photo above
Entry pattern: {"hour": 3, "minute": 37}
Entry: {"hour": 6, "minute": 50}
